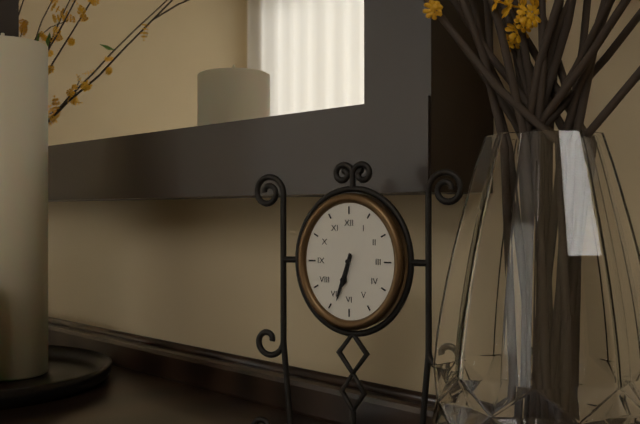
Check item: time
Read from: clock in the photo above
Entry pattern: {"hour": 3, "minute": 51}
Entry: {"hour": 6, "minute": 33}
